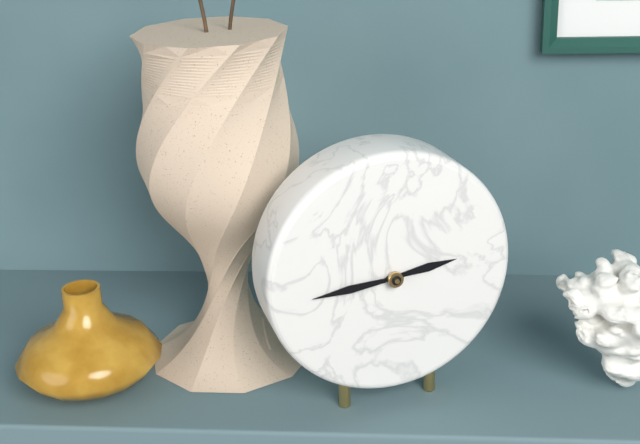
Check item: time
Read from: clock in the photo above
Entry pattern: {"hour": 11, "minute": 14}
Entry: {"hour": 2, "minute": 44}
